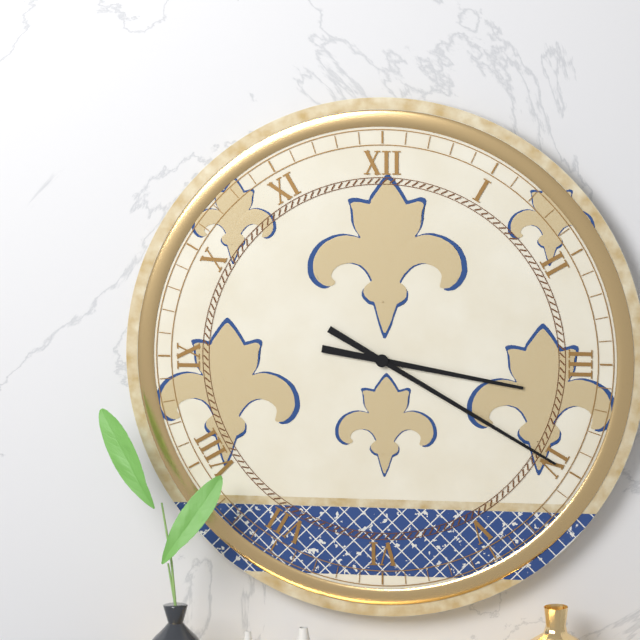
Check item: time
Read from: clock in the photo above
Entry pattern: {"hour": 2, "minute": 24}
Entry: {"hour": 3, "minute": 20}
